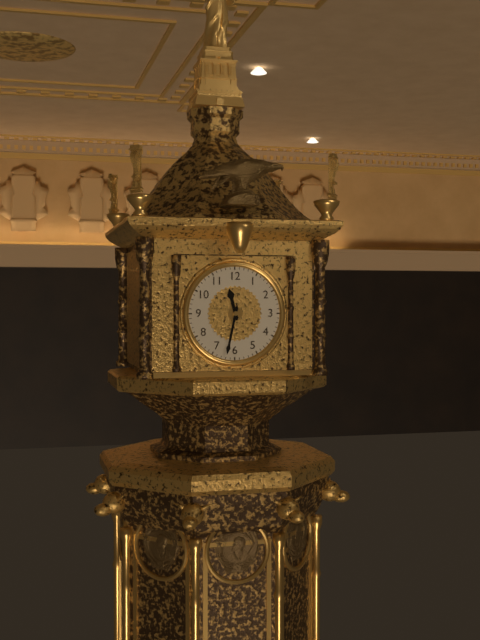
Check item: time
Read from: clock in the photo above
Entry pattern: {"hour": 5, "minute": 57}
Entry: {"hour": 11, "minute": 32}
